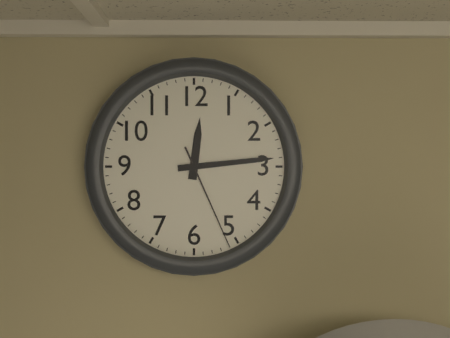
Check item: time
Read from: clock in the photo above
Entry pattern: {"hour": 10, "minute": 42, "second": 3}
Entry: {"hour": 12, "minute": 14, "second": 26}
